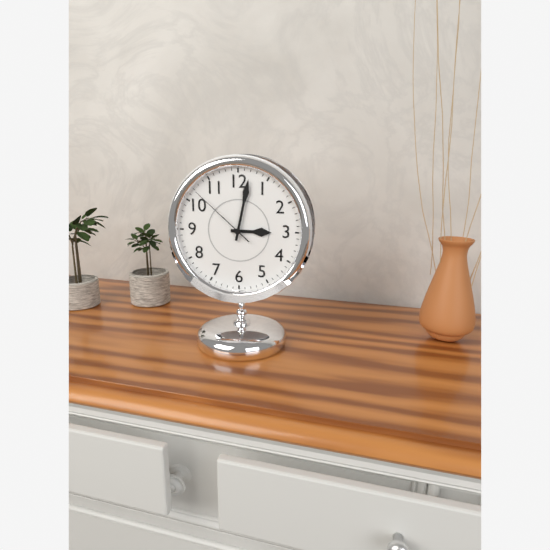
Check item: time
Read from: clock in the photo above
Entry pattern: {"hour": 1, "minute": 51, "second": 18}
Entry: {"hour": 3, "minute": 2, "second": 52}
